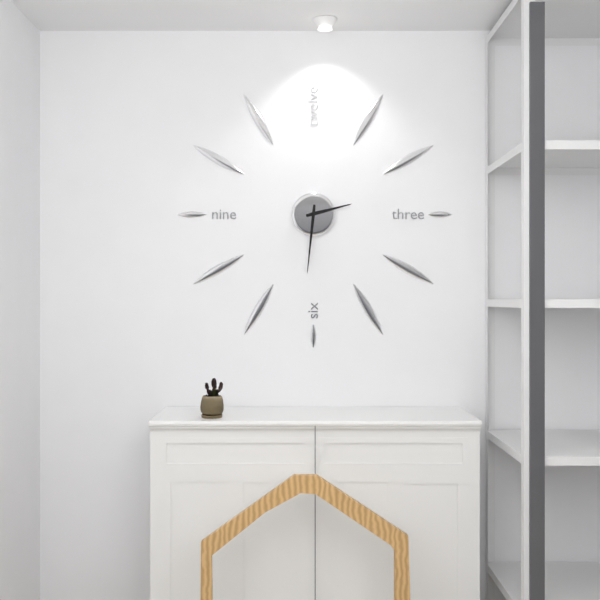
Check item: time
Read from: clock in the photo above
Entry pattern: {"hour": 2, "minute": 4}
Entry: {"hour": 2, "minute": 31}
